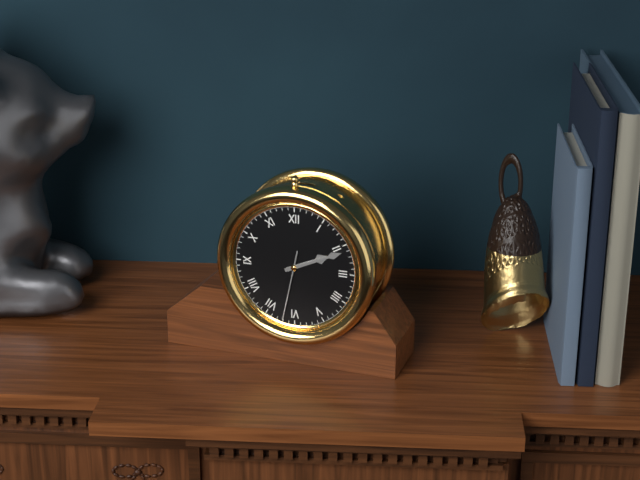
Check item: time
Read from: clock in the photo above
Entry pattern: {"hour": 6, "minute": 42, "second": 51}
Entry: {"hour": 2, "minute": 11, "second": 32}
